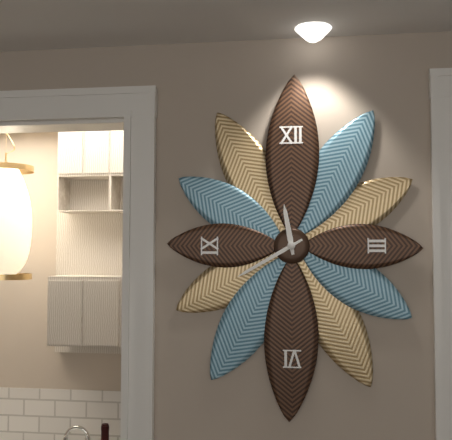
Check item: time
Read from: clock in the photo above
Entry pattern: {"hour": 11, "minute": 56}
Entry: {"hour": 11, "minute": 40}
